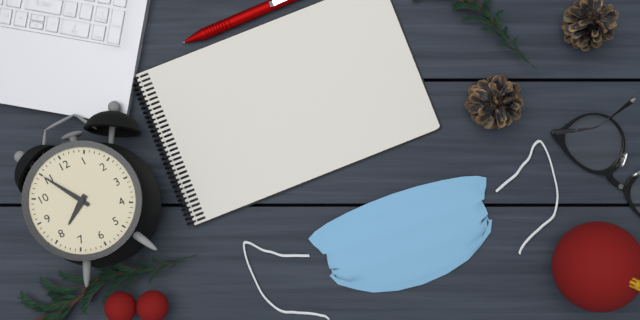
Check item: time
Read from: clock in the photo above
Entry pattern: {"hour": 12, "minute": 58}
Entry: {"hour": 7, "minute": 55}
